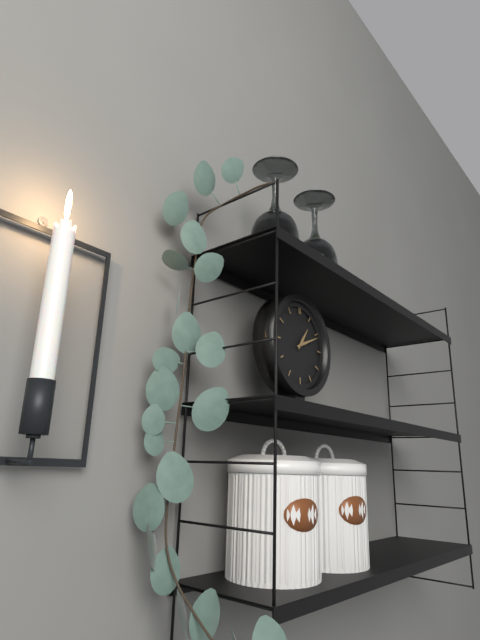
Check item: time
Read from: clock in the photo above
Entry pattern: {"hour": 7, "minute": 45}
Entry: {"hour": 1, "minute": 11}
